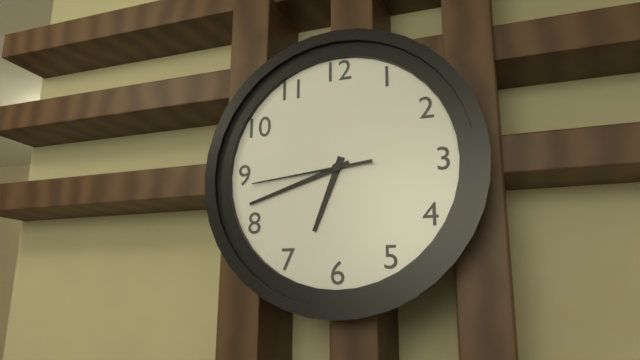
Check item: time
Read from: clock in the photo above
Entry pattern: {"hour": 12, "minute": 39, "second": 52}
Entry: {"hour": 6, "minute": 42, "second": 44}
